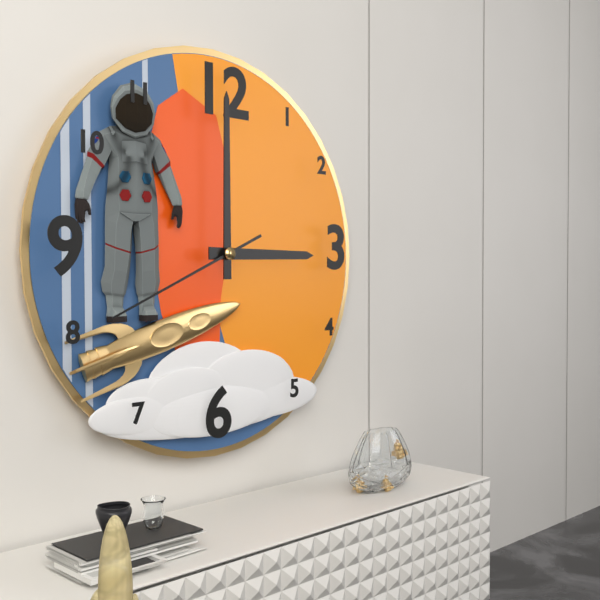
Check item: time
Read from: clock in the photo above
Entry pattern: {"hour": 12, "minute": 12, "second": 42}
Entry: {"hour": 3, "minute": 0, "second": 41}
